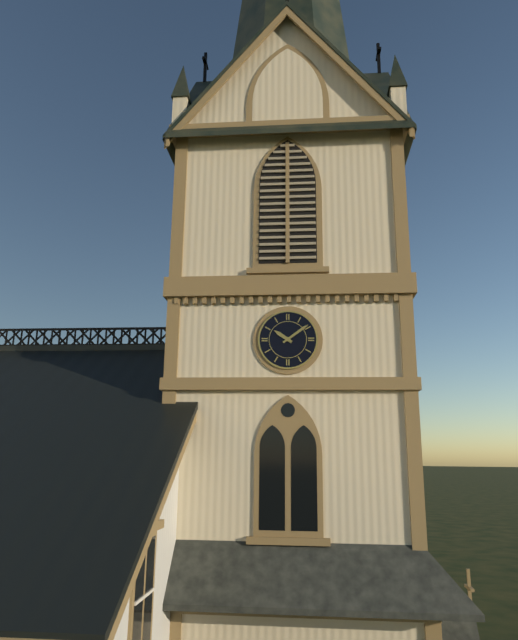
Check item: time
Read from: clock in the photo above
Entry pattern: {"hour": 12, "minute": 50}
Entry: {"hour": 10, "minute": 9}
